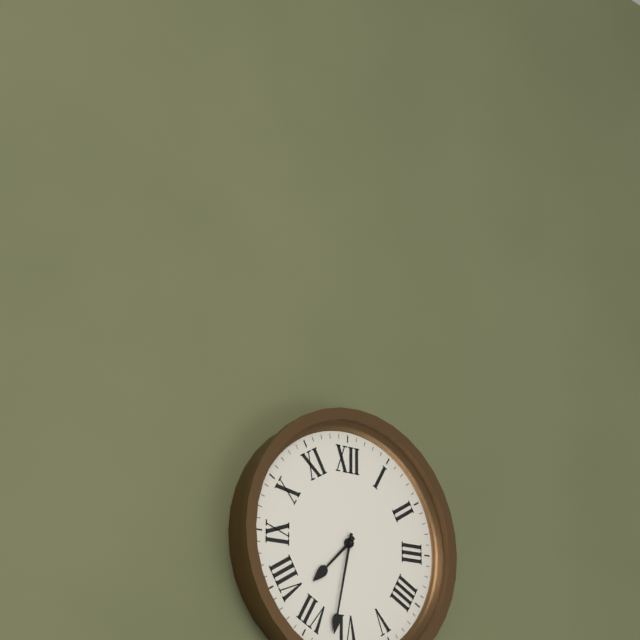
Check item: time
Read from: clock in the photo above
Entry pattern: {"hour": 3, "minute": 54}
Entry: {"hour": 7, "minute": 32}
